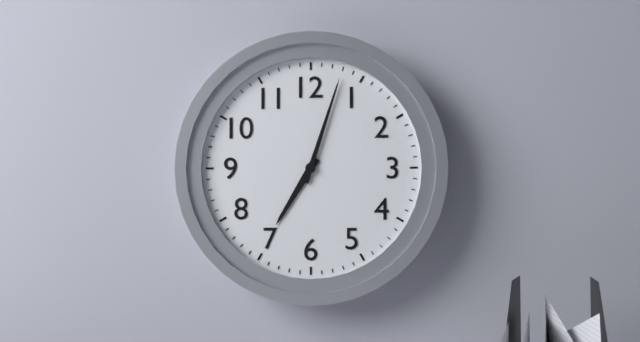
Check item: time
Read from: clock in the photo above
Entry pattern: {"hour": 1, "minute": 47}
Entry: {"hour": 7, "minute": 3}
